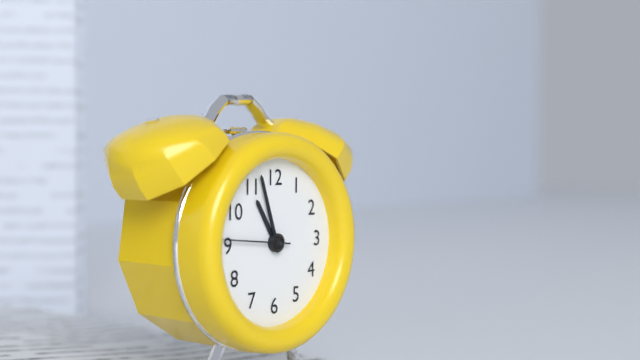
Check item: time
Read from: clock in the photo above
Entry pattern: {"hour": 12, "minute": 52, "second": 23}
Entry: {"hour": 10, "minute": 57, "second": 46}
